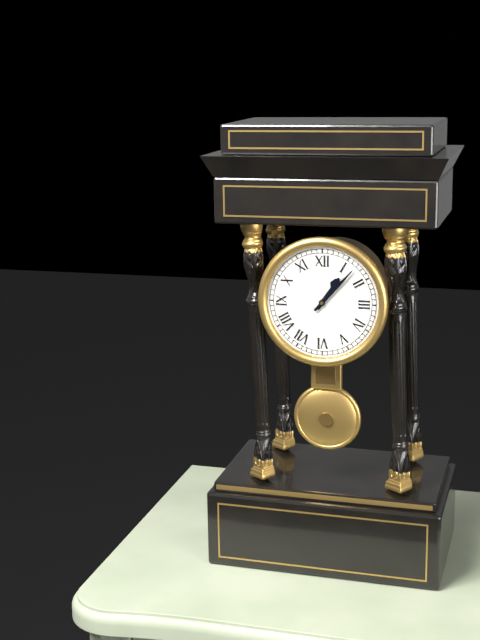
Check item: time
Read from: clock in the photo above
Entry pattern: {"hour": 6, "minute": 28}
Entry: {"hour": 1, "minute": 7}
